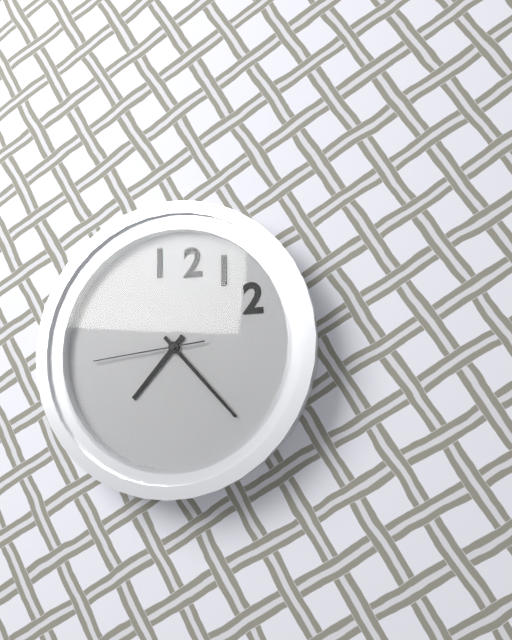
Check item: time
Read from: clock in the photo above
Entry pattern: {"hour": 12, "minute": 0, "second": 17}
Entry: {"hour": 7, "minute": 23, "second": 44}
